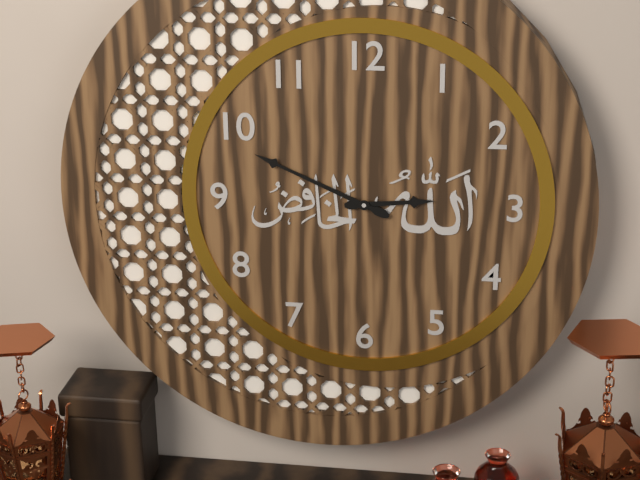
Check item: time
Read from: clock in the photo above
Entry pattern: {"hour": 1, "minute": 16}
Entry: {"hour": 2, "minute": 49}
